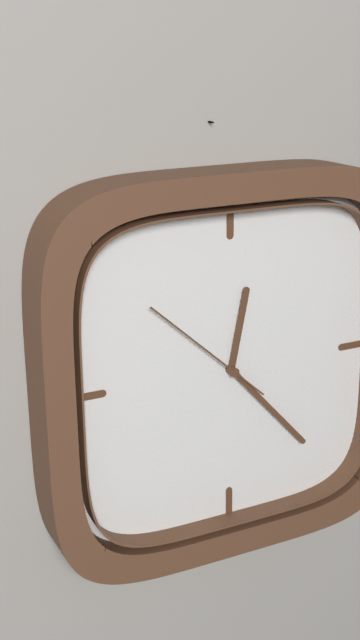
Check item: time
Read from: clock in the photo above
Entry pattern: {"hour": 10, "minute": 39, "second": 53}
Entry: {"hour": 12, "minute": 23, "second": 52}
